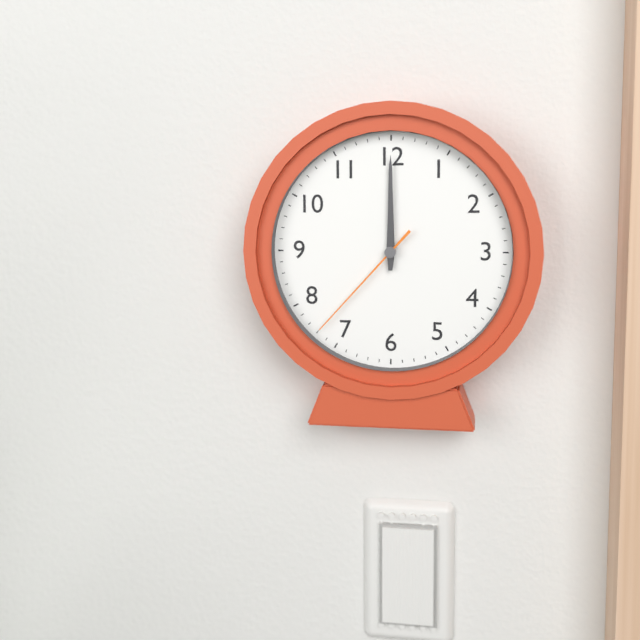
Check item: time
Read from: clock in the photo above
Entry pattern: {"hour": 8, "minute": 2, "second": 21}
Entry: {"hour": 12, "minute": 0, "second": 37}
